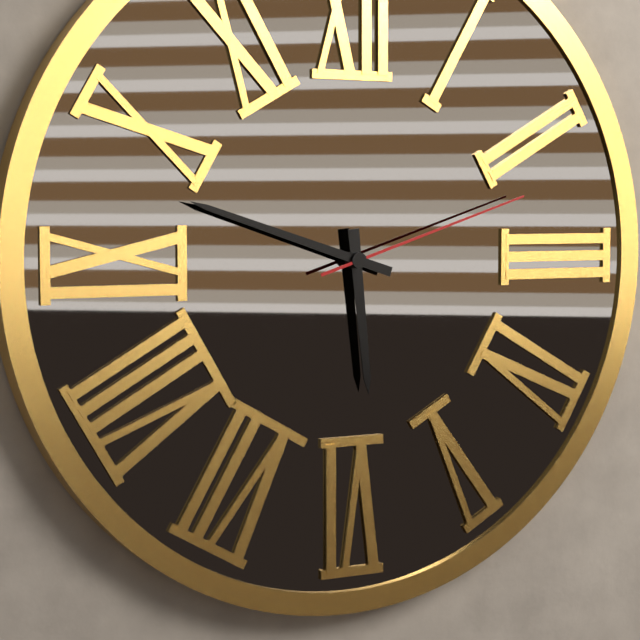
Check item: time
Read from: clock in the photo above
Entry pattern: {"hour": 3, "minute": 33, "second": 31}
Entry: {"hour": 5, "minute": 48, "second": 12}
